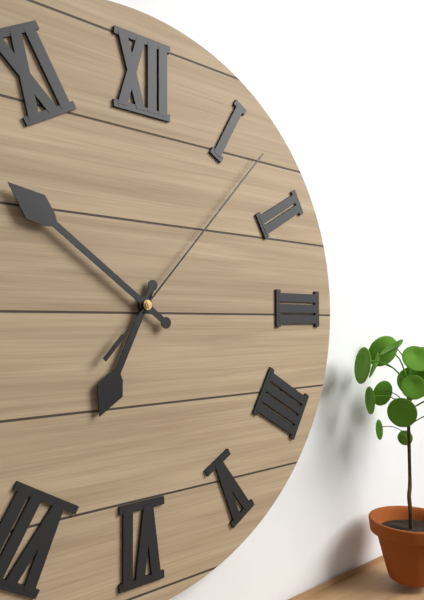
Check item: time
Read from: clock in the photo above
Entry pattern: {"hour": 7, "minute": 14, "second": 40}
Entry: {"hour": 6, "minute": 51, "second": 7}
